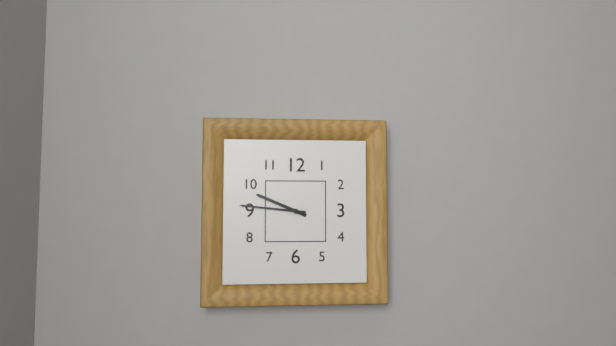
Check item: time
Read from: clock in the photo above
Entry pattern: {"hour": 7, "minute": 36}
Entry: {"hour": 9, "minute": 46}
